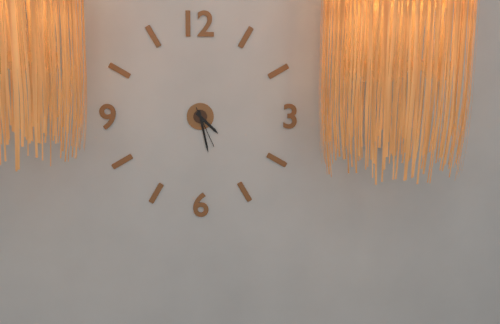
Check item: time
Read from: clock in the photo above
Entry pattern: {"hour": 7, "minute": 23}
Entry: {"hour": 4, "minute": 28}
